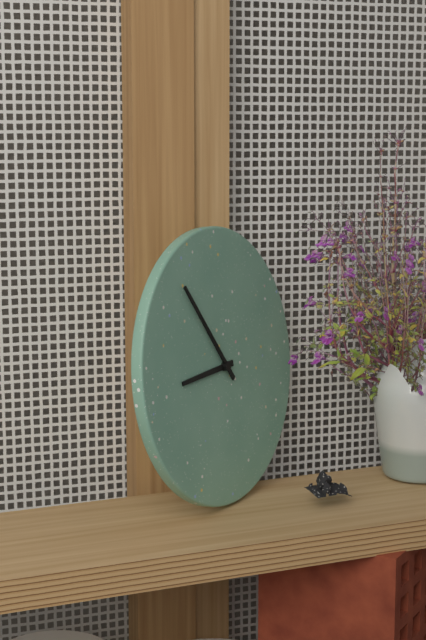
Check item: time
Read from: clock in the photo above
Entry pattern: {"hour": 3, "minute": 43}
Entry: {"hour": 8, "minute": 54}
